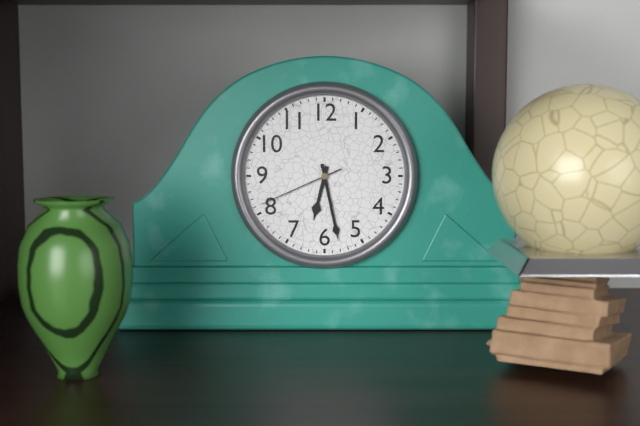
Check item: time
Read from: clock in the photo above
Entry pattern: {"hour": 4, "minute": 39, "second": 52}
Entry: {"hour": 6, "minute": 28, "second": 41}
